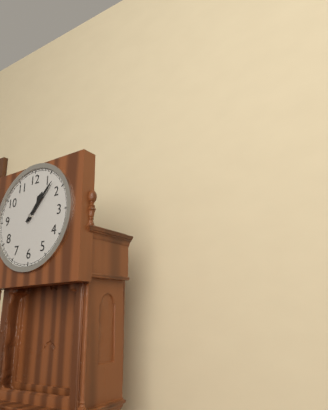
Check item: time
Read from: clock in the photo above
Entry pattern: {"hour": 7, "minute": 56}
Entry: {"hour": 1, "minute": 7}
